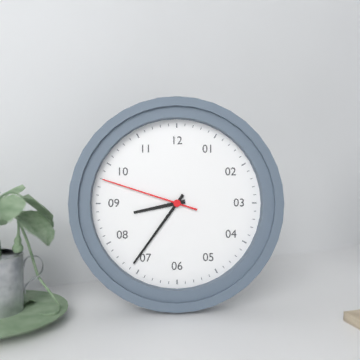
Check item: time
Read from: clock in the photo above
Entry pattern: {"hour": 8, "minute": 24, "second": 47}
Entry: {"hour": 8, "minute": 36, "second": 48}
